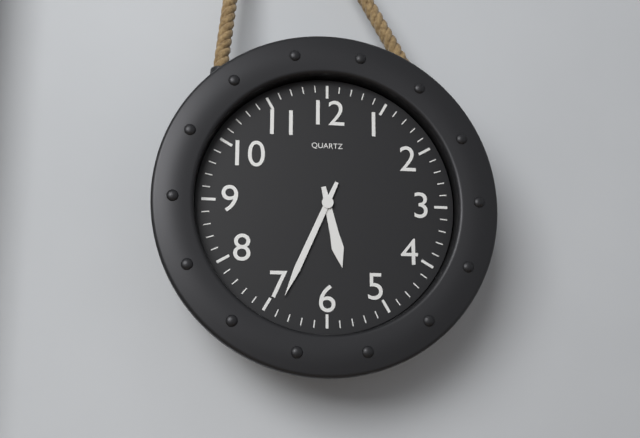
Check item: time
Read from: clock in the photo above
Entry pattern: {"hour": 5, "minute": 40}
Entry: {"hour": 5, "minute": 34}
